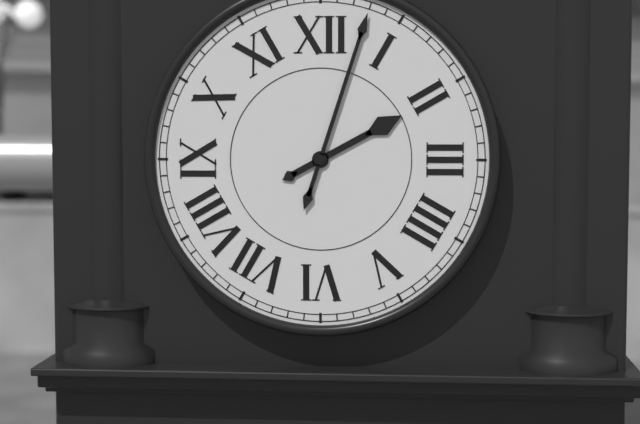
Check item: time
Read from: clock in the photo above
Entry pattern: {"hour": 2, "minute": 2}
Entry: {"hour": 2, "minute": 3}
